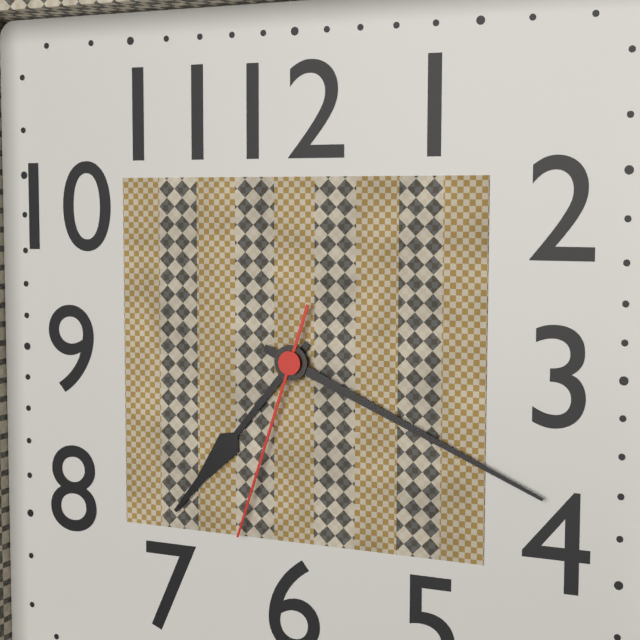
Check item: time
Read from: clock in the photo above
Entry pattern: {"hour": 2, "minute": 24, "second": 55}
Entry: {"hour": 7, "minute": 19, "second": 33}
